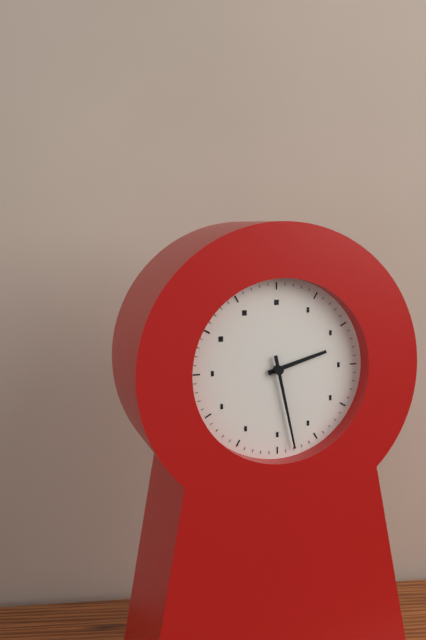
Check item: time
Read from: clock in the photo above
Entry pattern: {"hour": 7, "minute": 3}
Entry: {"hour": 2, "minute": 28}
